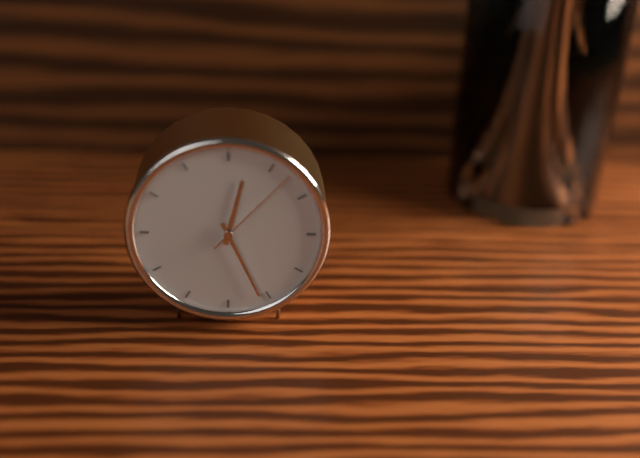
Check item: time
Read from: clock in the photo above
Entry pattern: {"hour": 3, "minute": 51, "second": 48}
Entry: {"hour": 12, "minute": 26, "second": 7}
